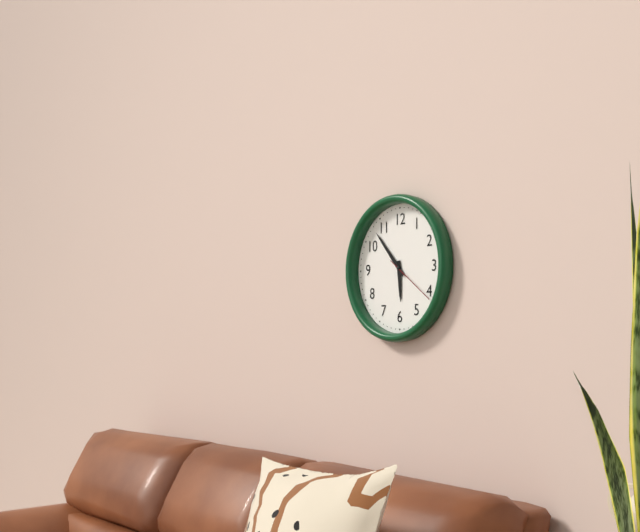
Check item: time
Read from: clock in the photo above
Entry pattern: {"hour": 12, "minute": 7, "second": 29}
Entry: {"hour": 5, "minute": 53, "second": 21}
